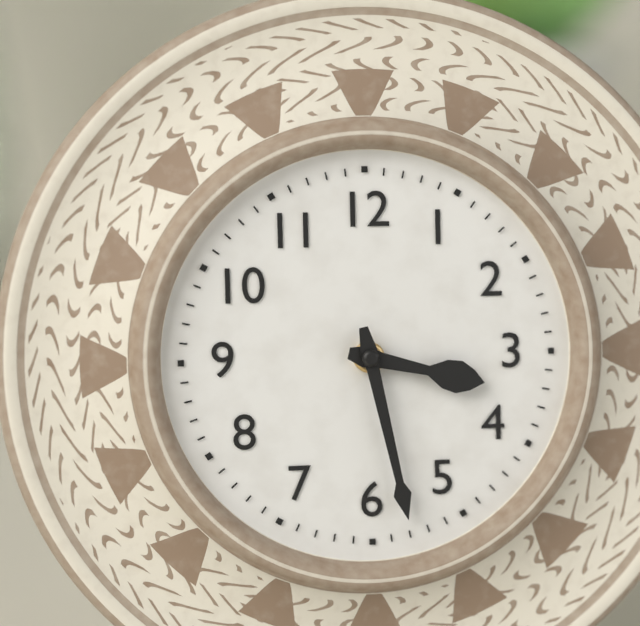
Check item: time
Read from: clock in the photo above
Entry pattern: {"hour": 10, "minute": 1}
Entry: {"hour": 3, "minute": 28}
